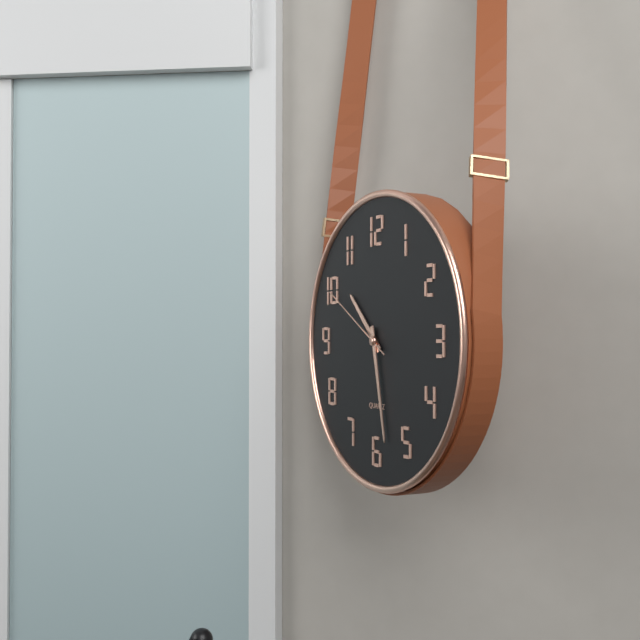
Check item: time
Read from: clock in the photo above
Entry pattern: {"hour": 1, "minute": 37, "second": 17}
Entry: {"hour": 10, "minute": 28, "second": 50}
